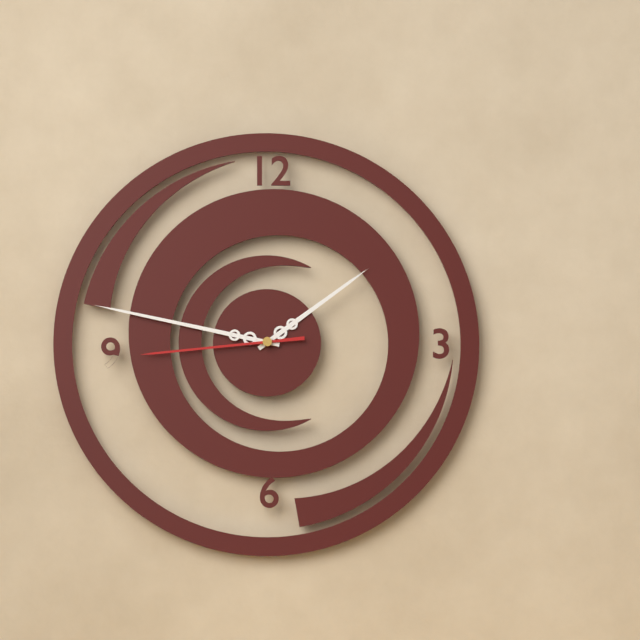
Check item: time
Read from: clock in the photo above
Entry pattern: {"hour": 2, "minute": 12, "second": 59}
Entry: {"hour": 1, "minute": 47, "second": 44}
